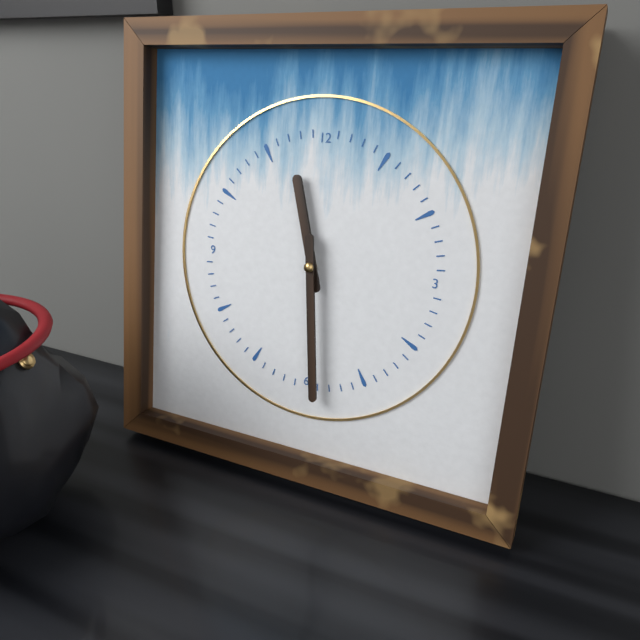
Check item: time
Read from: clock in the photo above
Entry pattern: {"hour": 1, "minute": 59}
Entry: {"hour": 11, "minute": 29}
